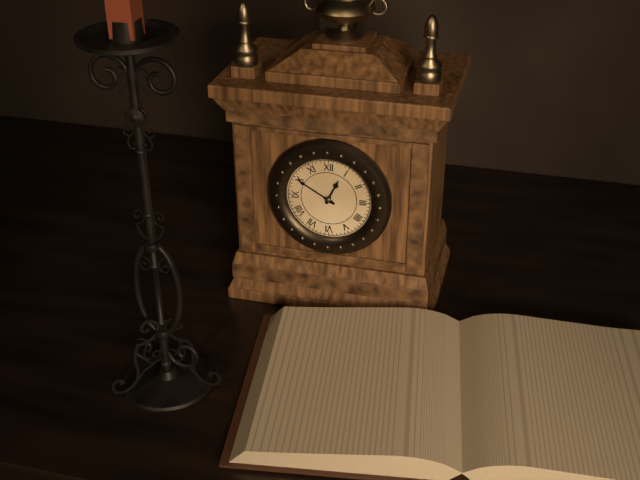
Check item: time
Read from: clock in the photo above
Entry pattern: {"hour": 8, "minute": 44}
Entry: {"hour": 12, "minute": 50}
